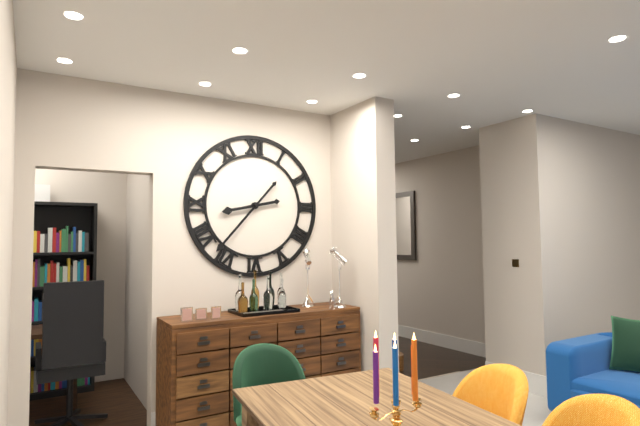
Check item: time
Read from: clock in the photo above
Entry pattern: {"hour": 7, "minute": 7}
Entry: {"hour": 8, "minute": 37}
